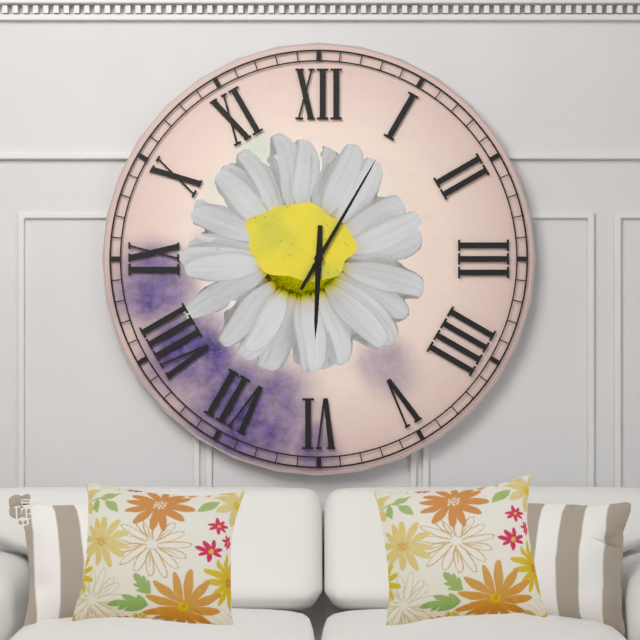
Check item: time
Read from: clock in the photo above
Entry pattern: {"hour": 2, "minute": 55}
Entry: {"hour": 6, "minute": 5}
